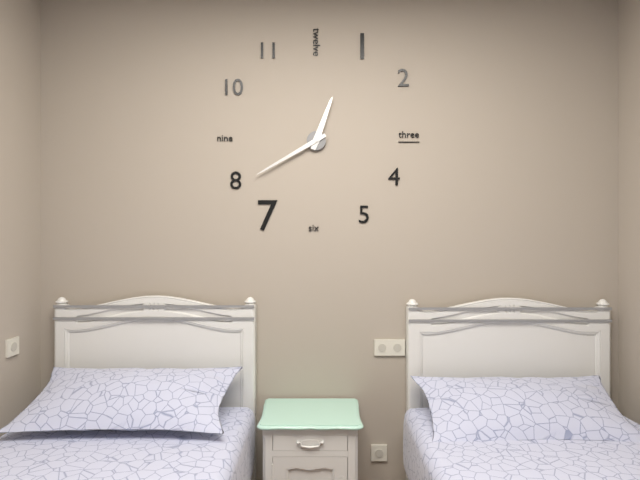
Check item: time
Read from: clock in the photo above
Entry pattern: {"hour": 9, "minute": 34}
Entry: {"hour": 12, "minute": 40}
